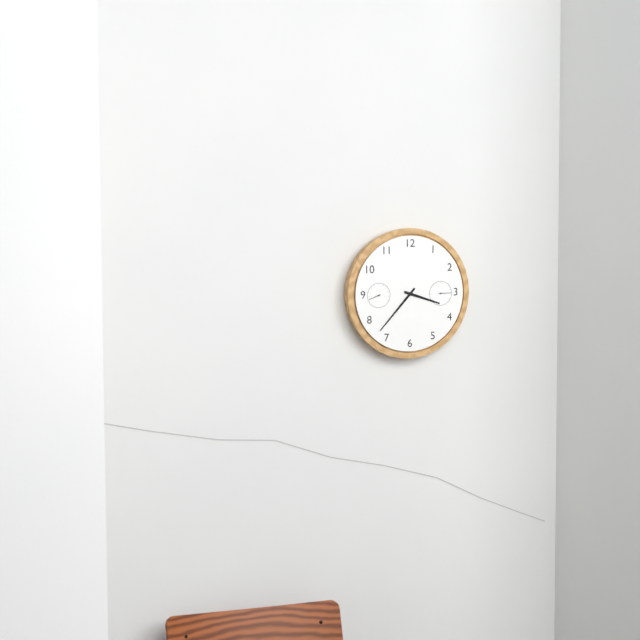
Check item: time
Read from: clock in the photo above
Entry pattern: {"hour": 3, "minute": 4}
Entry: {"hour": 3, "minute": 37}
